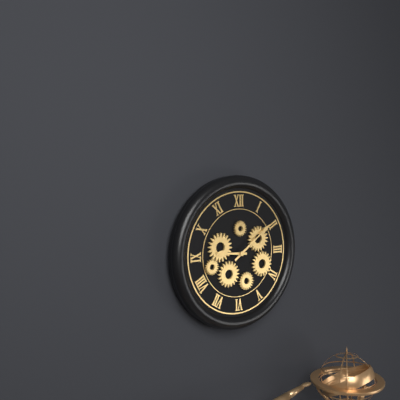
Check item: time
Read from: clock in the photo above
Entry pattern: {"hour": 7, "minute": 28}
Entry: {"hour": 9, "minute": 9}
